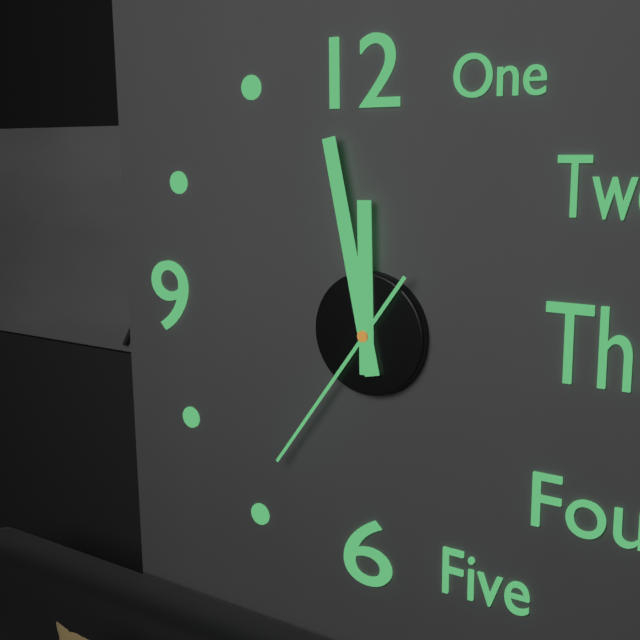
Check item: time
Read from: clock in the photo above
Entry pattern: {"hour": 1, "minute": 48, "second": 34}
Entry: {"hour": 11, "minute": 58, "second": 36}
